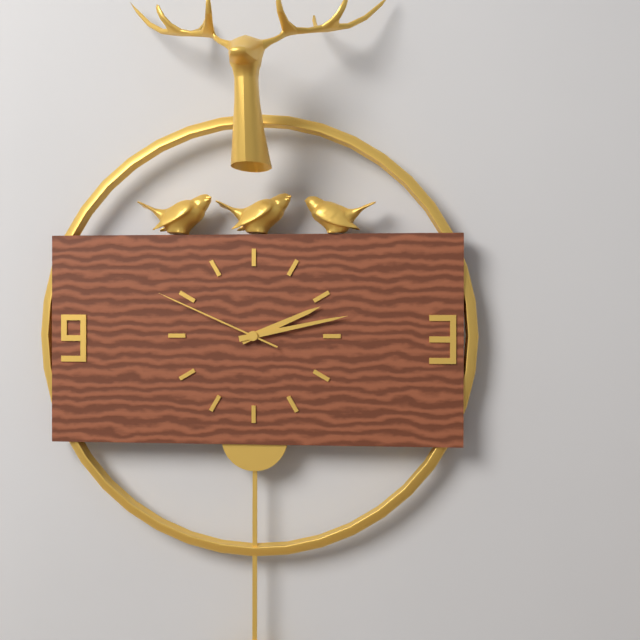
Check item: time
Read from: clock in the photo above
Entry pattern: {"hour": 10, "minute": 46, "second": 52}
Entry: {"hour": 2, "minute": 13, "second": 49}
